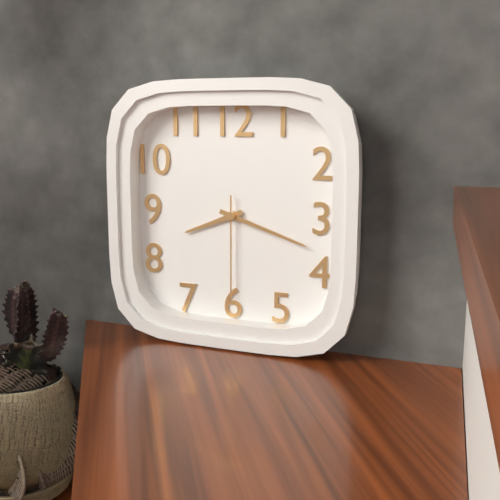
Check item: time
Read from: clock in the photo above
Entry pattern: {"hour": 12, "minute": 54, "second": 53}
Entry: {"hour": 8, "minute": 18, "second": 30}
